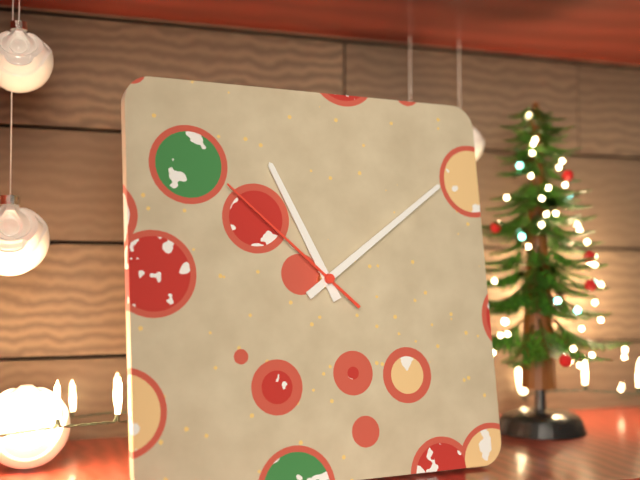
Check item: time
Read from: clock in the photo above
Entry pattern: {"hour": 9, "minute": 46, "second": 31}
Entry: {"hour": 11, "minute": 9, "second": 52}
